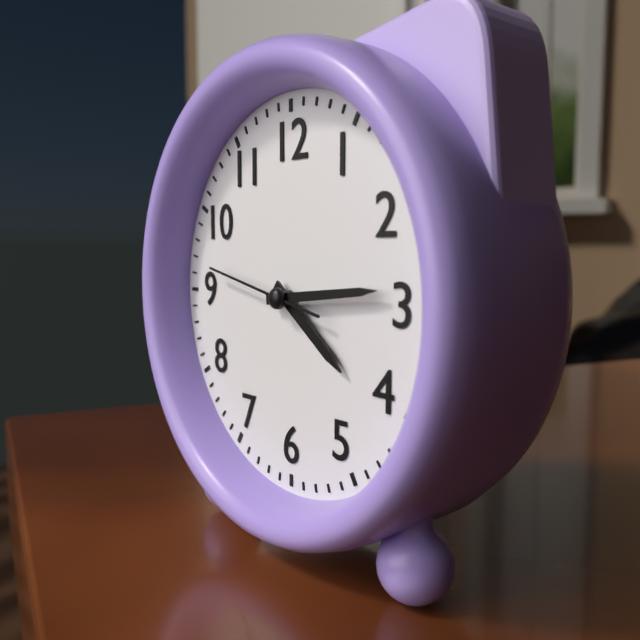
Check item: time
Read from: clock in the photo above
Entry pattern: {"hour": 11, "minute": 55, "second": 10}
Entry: {"hour": 4, "minute": 14, "second": 47}
